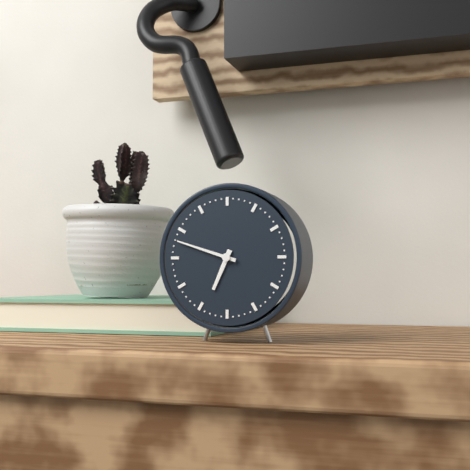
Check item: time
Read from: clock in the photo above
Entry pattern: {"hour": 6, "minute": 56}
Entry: {"hour": 6, "minute": 48}
